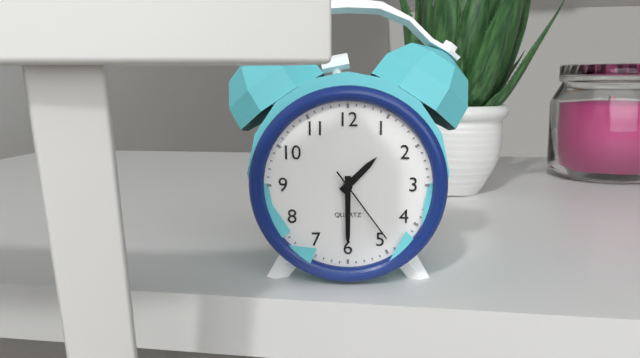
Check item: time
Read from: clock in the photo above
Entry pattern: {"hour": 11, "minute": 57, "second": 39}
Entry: {"hour": 1, "minute": 30, "second": 24}
